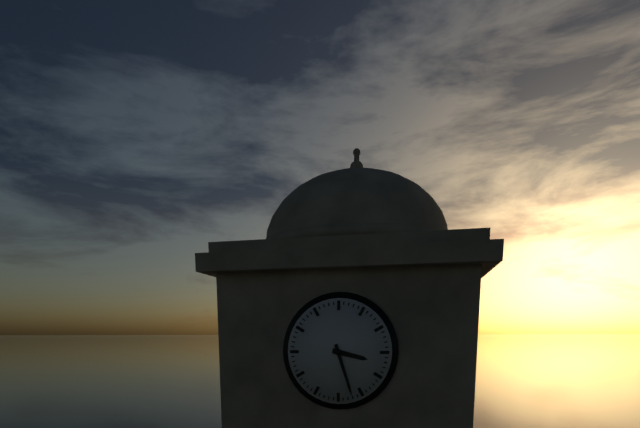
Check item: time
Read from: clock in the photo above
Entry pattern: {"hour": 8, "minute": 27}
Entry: {"hour": 3, "minute": 27}
